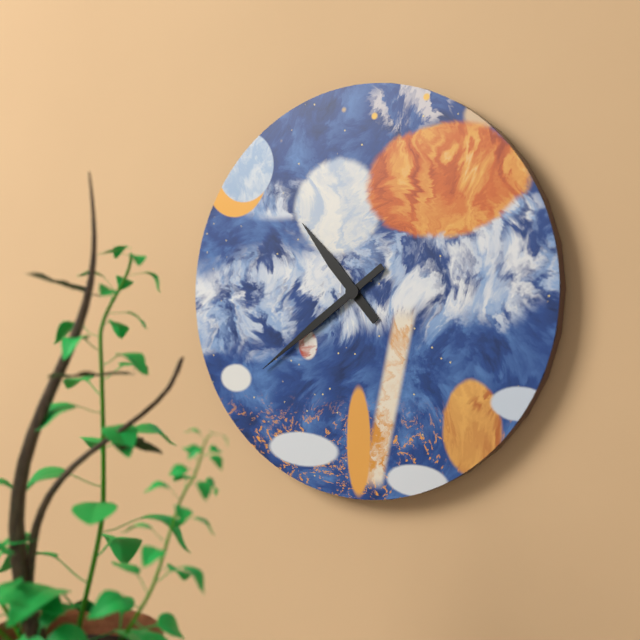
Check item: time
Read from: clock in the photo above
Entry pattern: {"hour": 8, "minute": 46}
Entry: {"hour": 10, "minute": 39}
